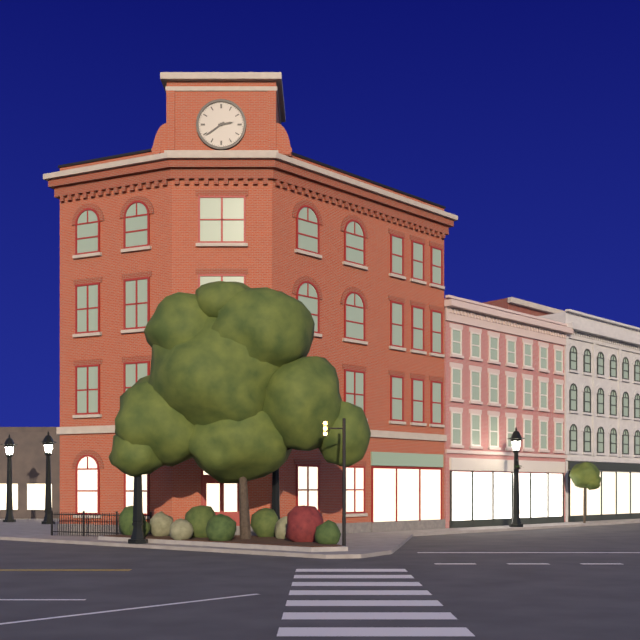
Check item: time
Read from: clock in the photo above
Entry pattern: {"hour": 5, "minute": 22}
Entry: {"hour": 2, "minute": 39}
